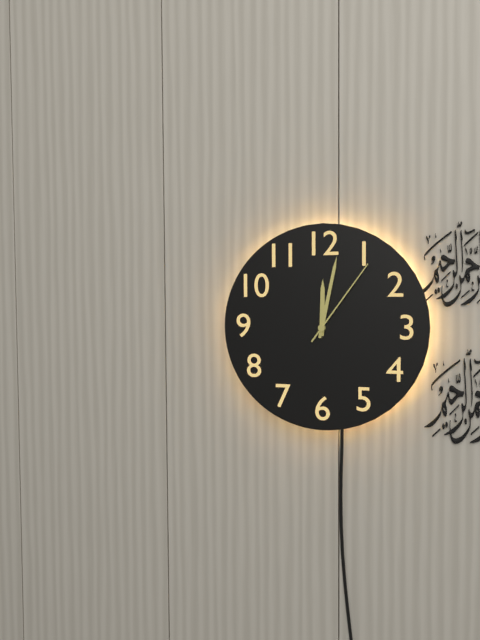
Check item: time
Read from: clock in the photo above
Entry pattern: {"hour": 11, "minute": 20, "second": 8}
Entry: {"hour": 12, "minute": 2, "second": 6}
